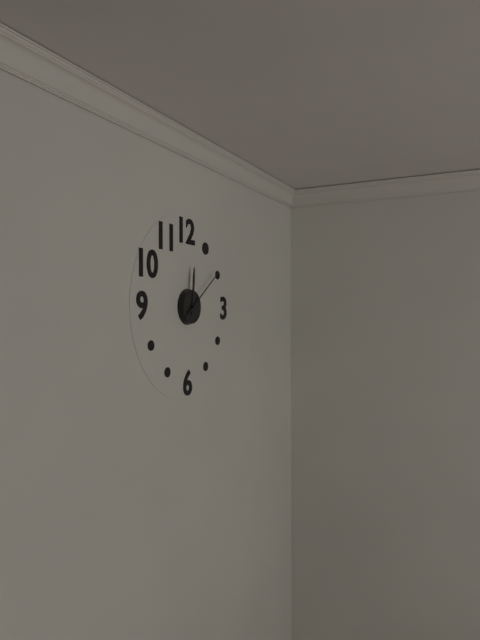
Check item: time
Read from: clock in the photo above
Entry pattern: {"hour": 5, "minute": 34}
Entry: {"hour": 12, "minute": 9}
